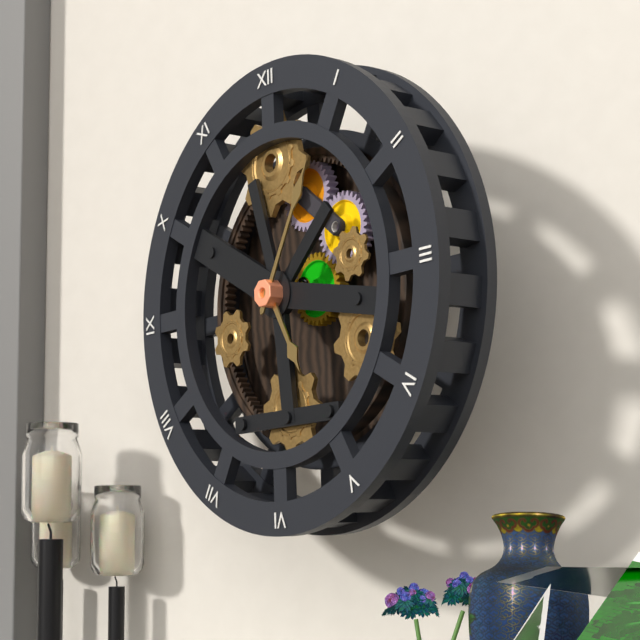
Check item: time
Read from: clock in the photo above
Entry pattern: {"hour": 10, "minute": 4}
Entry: {"hour": 5, "minute": 5}
